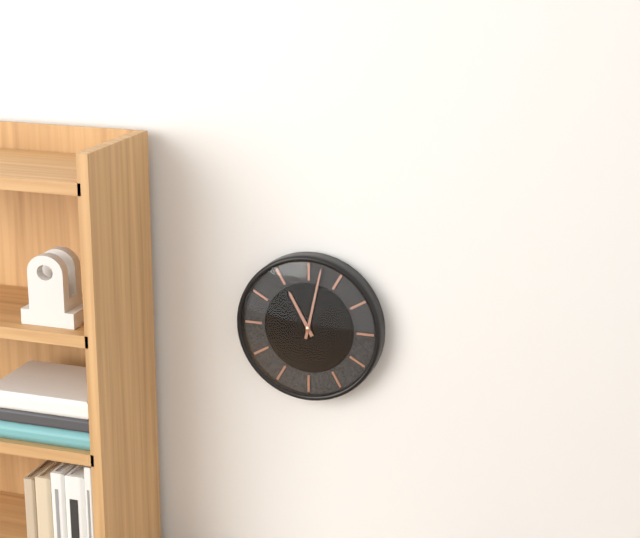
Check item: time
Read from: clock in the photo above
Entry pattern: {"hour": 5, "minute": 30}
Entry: {"hour": 11, "minute": 2}
